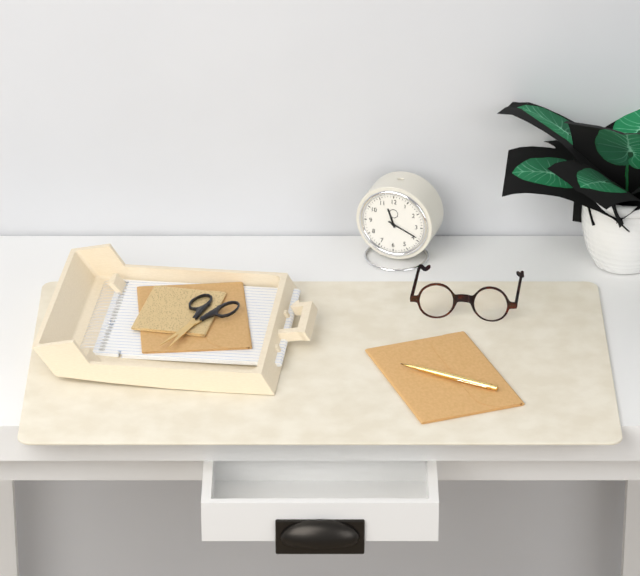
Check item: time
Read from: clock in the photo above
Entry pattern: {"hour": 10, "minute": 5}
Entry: {"hour": 11, "minute": 19}
